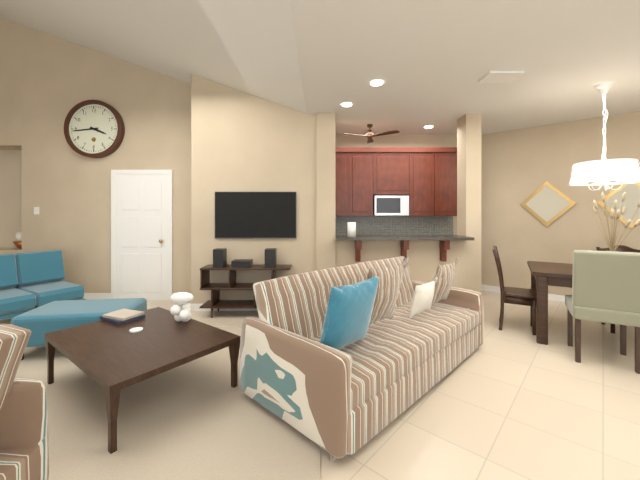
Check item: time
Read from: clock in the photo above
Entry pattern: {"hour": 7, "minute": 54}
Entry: {"hour": 3, "minute": 44}
